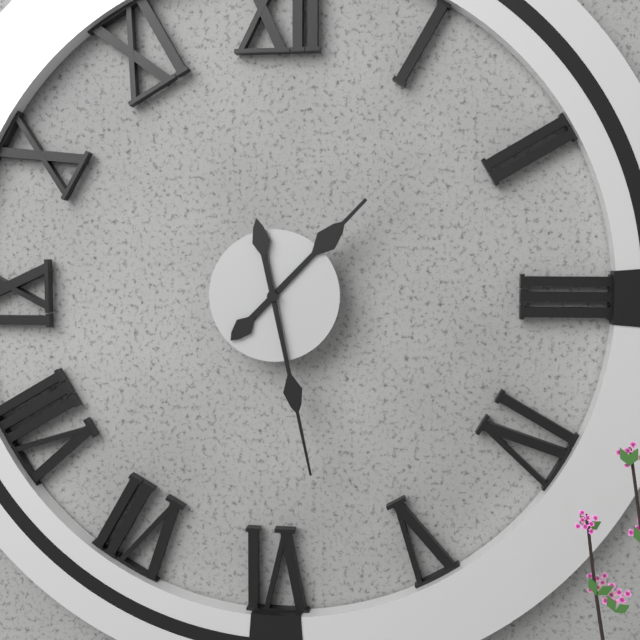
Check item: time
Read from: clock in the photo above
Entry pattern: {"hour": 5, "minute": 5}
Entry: {"hour": 1, "minute": 28}
